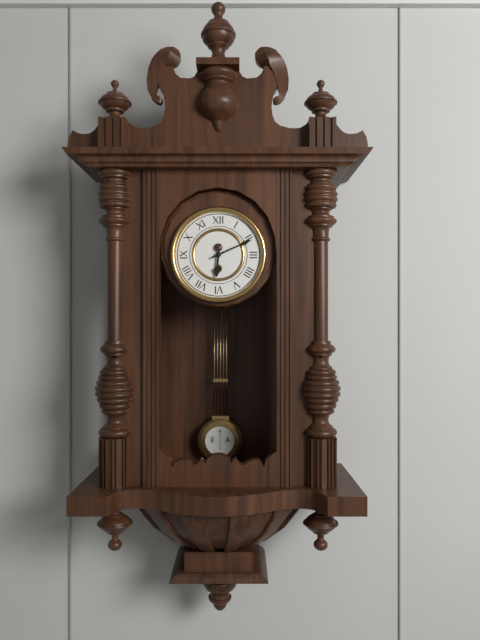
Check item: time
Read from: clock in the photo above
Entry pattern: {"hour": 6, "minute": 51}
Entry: {"hour": 6, "minute": 11}
